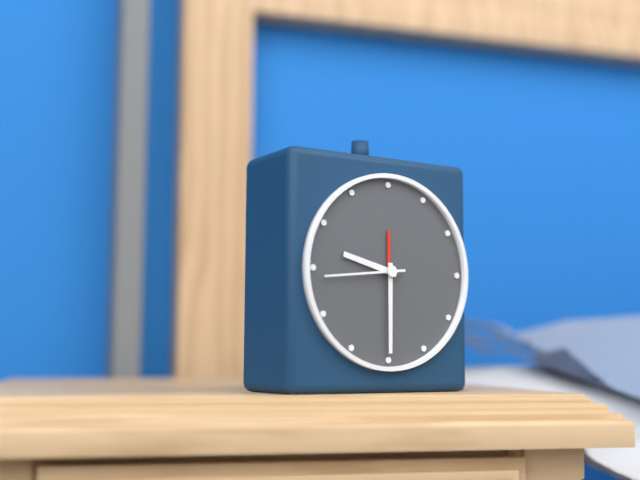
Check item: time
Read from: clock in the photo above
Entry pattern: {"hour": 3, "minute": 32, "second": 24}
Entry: {"hour": 9, "minute": 30, "second": 44}
